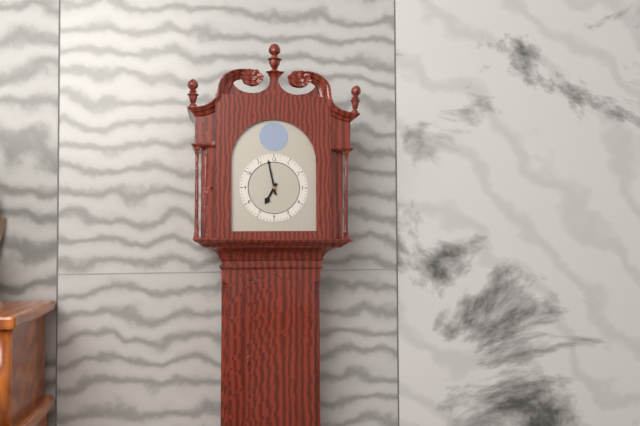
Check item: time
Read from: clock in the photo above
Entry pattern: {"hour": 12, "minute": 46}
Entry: {"hour": 6, "minute": 58}
